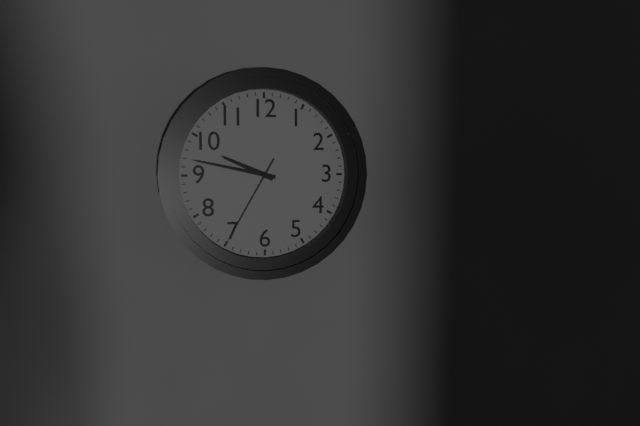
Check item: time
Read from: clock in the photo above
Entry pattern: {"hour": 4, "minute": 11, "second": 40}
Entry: {"hour": 9, "minute": 47, "second": 35}
